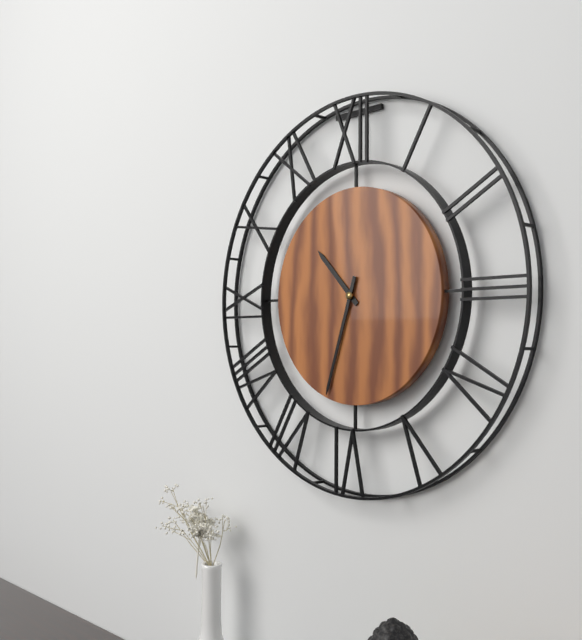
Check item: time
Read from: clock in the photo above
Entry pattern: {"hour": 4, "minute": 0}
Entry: {"hour": 10, "minute": 33}
